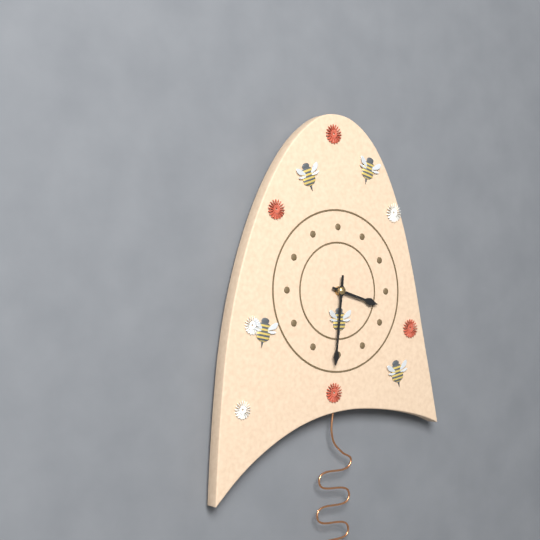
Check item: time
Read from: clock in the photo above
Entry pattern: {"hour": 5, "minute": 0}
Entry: {"hour": 3, "minute": 31}
